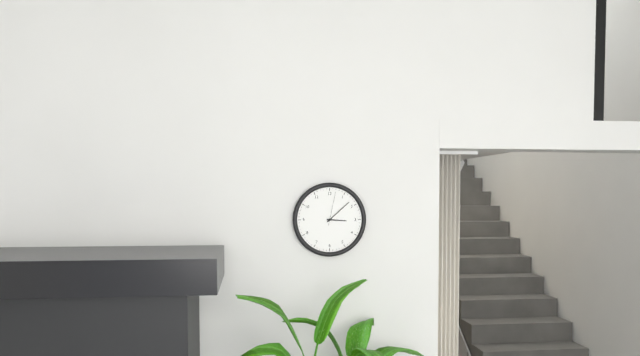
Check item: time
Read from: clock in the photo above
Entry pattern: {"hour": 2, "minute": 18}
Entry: {"hour": 3, "minute": 8}
